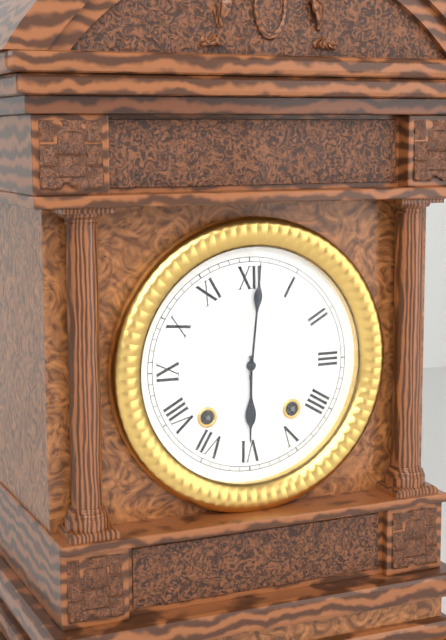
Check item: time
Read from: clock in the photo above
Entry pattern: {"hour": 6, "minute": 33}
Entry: {"hour": 6, "minute": 1}
